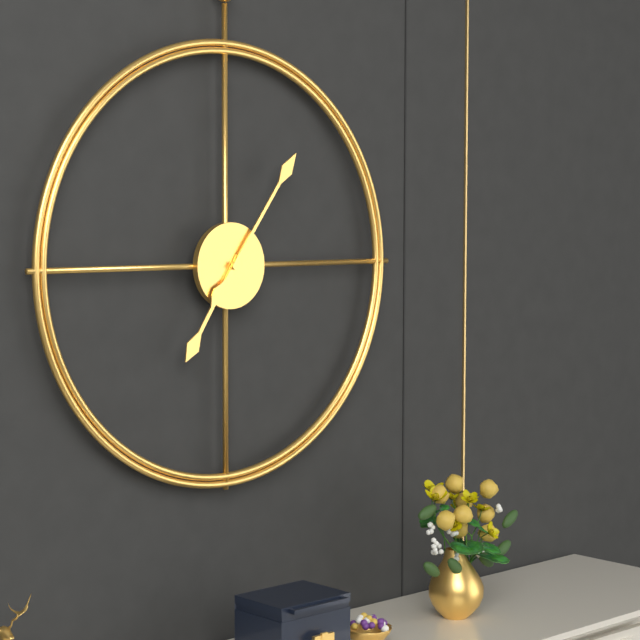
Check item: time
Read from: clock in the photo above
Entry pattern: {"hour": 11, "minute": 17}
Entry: {"hour": 7, "minute": 6}
